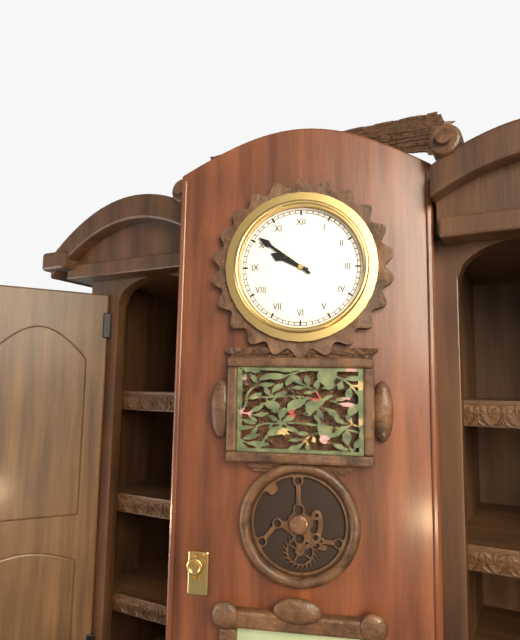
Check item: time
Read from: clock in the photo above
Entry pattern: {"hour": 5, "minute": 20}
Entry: {"hour": 9, "minute": 51}
